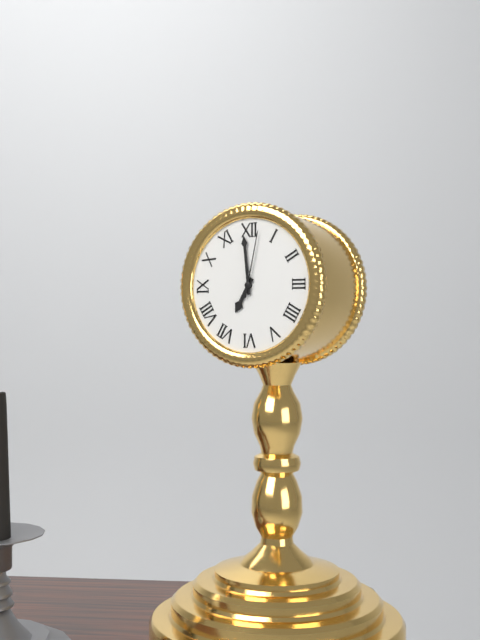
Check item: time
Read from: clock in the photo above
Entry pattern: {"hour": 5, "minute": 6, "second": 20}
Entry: {"hour": 6, "minute": 59, "second": 2}
